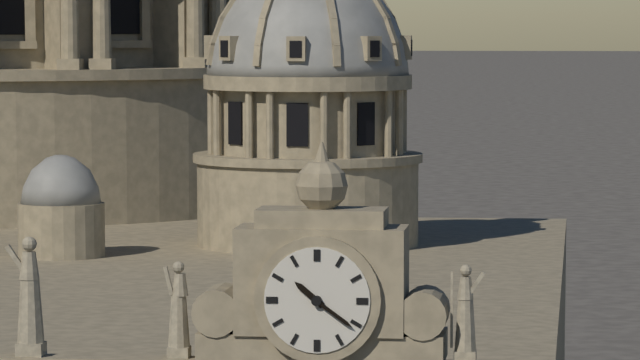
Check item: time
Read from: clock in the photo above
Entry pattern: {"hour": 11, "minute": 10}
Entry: {"hour": 10, "minute": 21}
